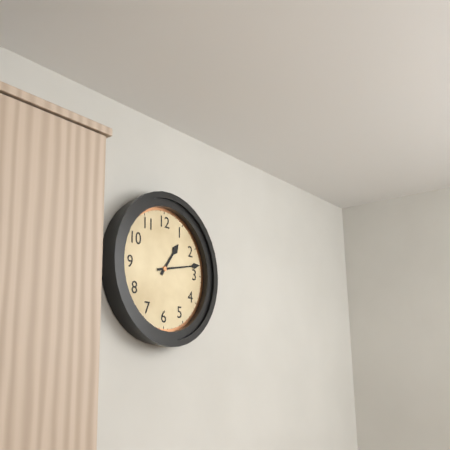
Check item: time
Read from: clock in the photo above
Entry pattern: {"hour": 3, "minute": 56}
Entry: {"hour": 1, "minute": 13}
